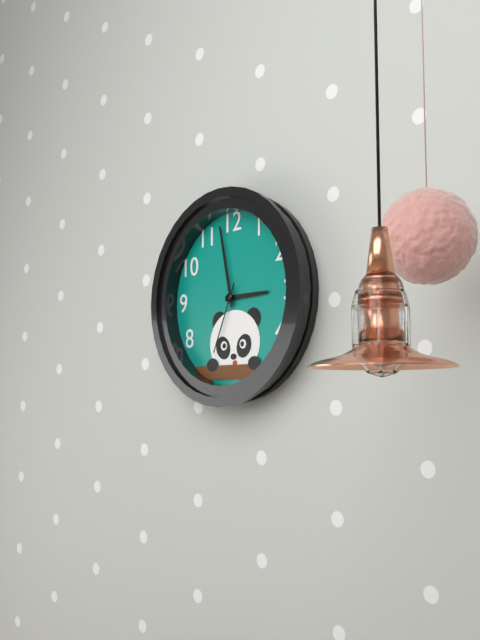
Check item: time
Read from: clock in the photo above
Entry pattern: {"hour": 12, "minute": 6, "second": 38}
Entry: {"hour": 2, "minute": 58, "second": 34}
